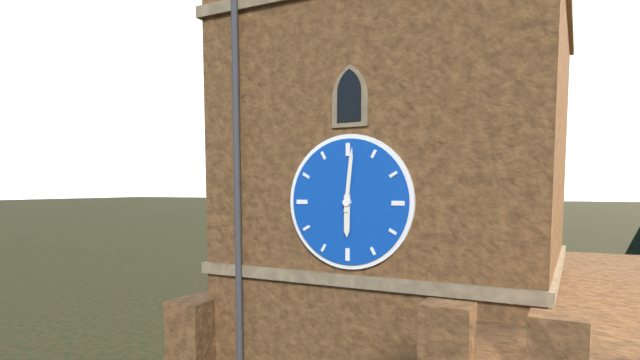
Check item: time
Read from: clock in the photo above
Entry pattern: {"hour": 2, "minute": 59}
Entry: {"hour": 6, "minute": 1}
